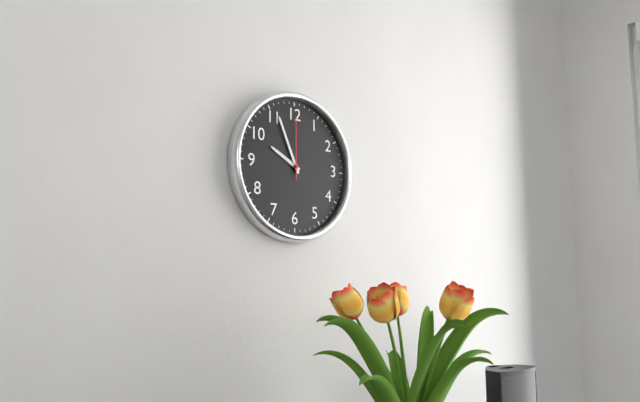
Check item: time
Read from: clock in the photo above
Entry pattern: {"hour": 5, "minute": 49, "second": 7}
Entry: {"hour": 9, "minute": 56, "second": 0}
